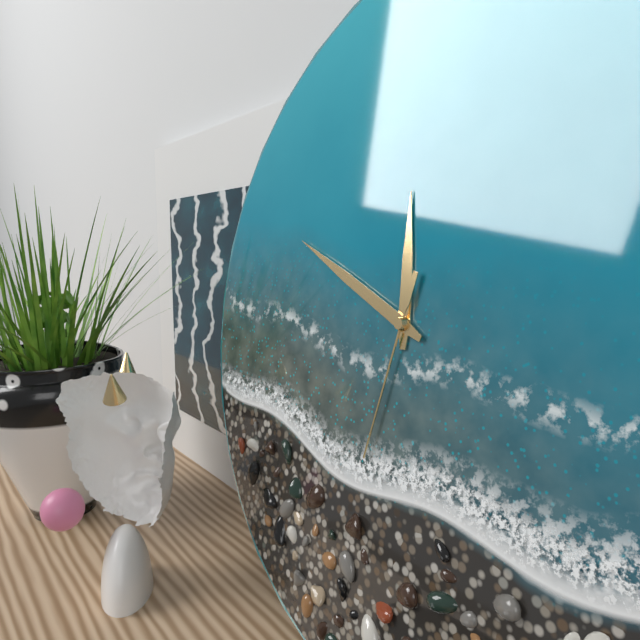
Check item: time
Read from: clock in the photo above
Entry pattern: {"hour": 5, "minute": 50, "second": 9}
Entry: {"hour": 11, "minute": 49, "second": 32}
